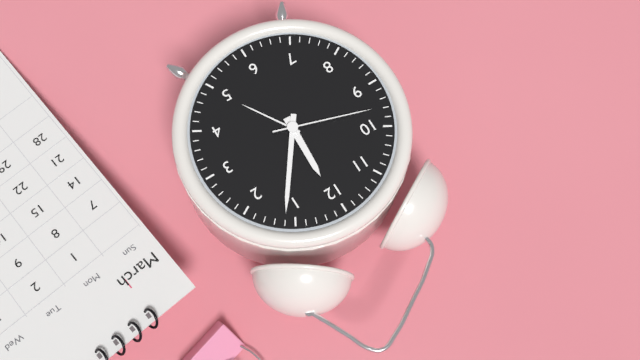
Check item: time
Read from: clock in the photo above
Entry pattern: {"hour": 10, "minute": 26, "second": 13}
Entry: {"hour": 12, "minute": 6, "second": 48}
